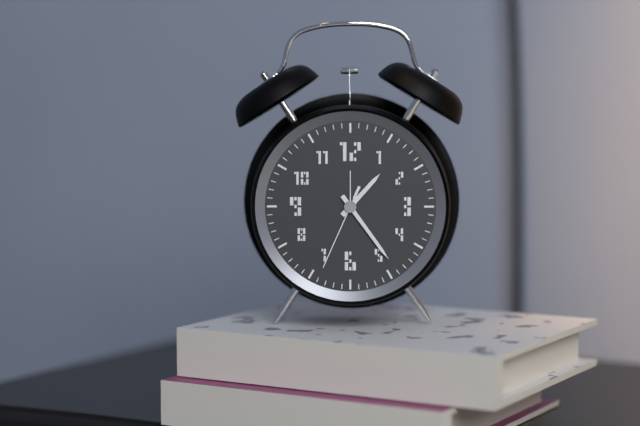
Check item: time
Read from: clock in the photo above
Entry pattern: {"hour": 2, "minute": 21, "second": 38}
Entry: {"hour": 1, "minute": 24, "second": 34}
